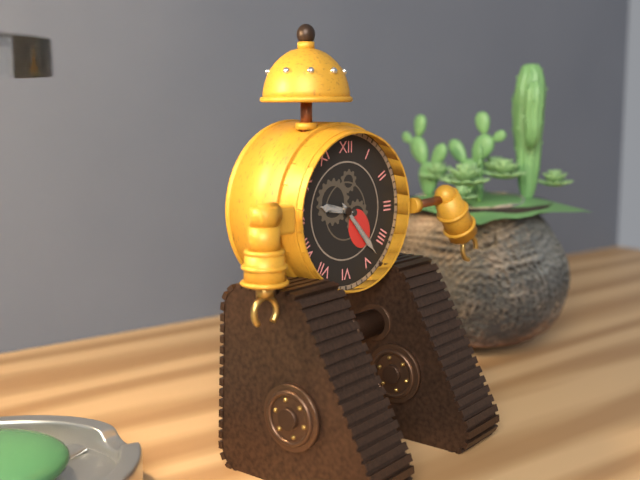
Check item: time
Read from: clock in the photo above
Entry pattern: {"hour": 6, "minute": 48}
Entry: {"hour": 9, "minute": 23}
